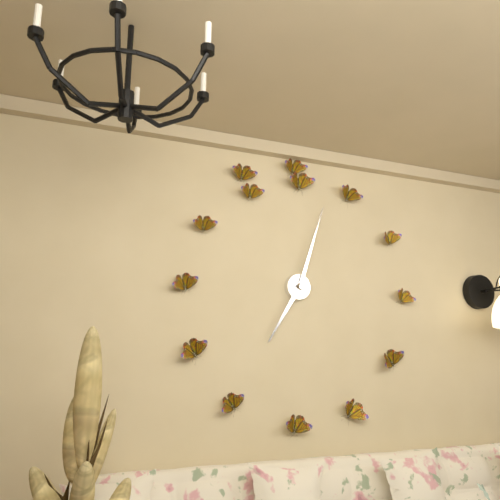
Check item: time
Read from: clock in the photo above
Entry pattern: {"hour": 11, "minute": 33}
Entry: {"hour": 7, "minute": 3}
